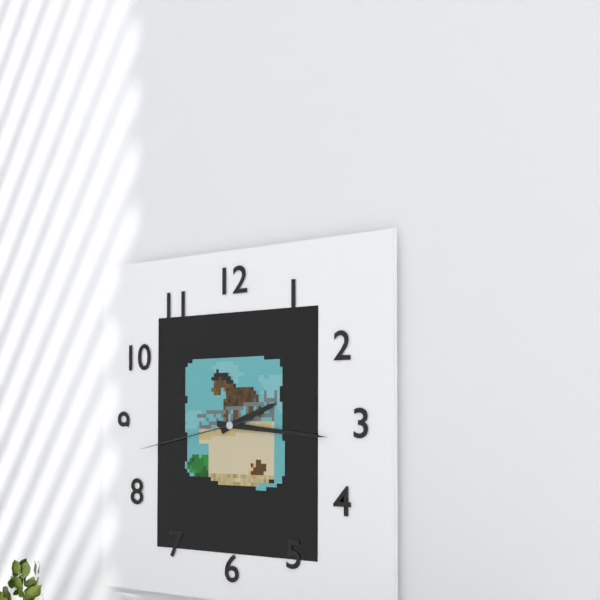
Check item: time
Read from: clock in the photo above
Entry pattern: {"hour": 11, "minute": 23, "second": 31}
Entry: {"hour": 2, "minute": 16, "second": 43}
